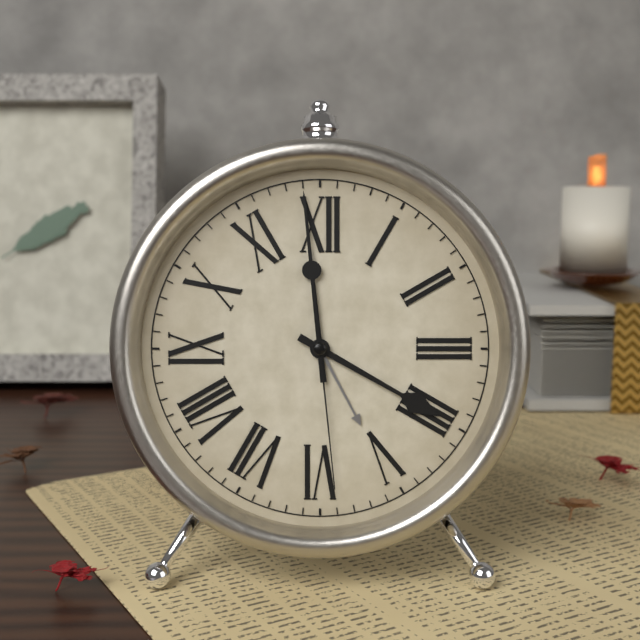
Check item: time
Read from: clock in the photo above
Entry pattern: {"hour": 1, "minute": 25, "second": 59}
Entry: {"hour": 3, "minute": 59, "second": 29}
